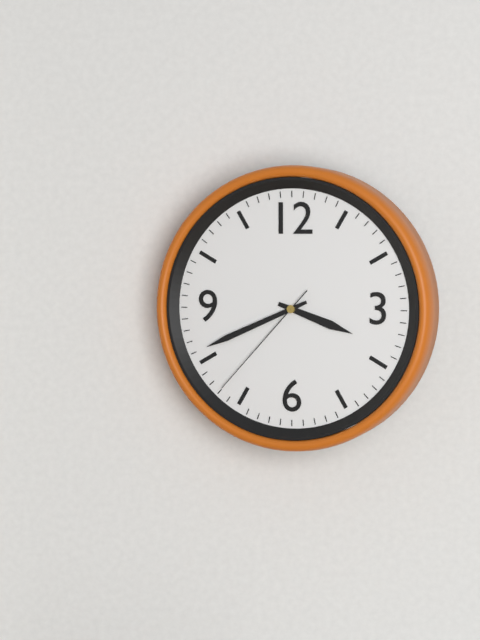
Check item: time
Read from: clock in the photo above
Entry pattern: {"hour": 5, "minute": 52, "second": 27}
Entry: {"hour": 3, "minute": 41, "second": 37}
